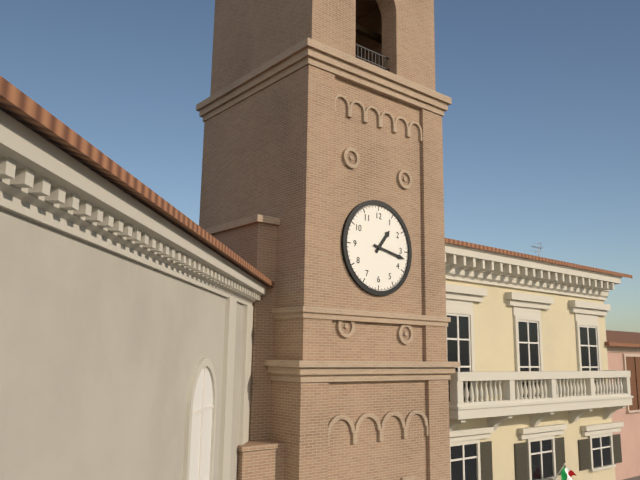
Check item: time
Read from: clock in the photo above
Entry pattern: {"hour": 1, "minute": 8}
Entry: {"hour": 1, "minute": 17}
